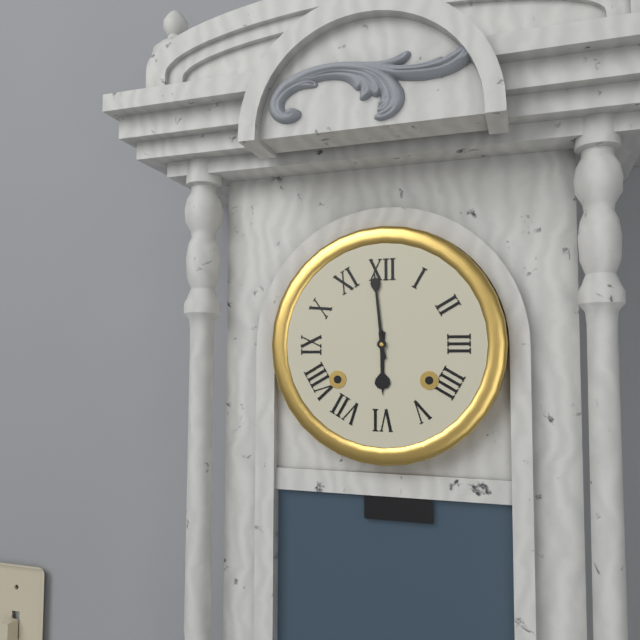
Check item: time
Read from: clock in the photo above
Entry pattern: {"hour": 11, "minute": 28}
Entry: {"hour": 5, "minute": 59}
